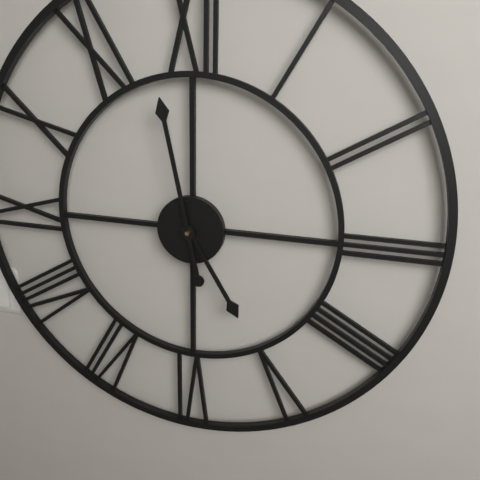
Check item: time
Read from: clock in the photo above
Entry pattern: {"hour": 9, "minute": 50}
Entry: {"hour": 4, "minute": 58}
